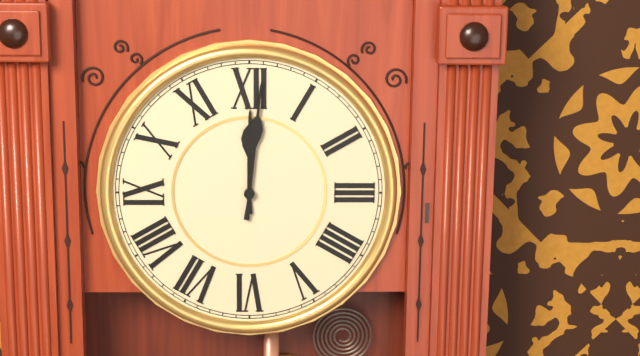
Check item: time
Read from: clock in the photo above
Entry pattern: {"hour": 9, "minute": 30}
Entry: {"hour": 12, "minute": 1}
